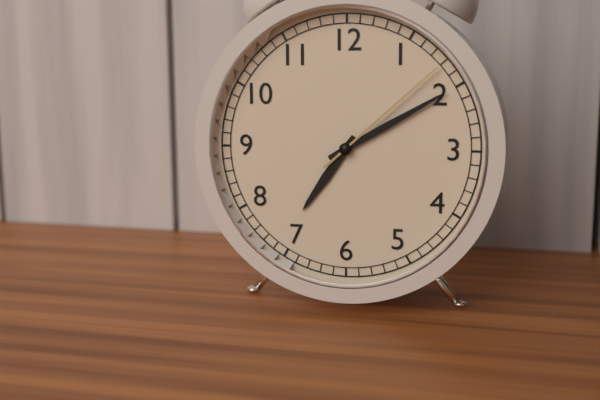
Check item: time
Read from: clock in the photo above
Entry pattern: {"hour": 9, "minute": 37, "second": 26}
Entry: {"hour": 7, "minute": 10, "second": 8}
